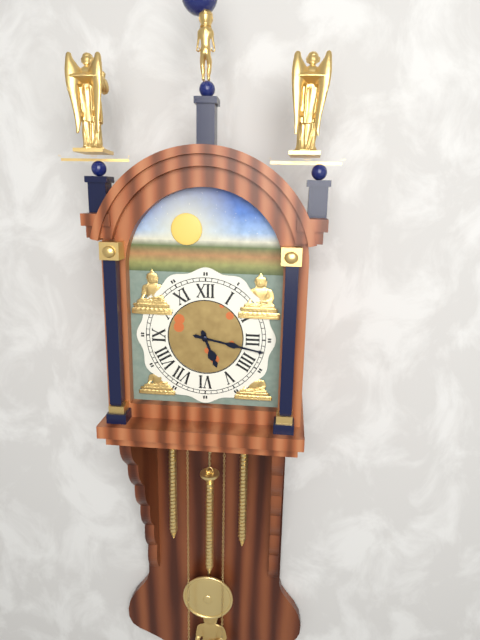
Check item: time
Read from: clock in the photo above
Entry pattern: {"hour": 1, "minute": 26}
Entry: {"hour": 5, "minute": 17}
